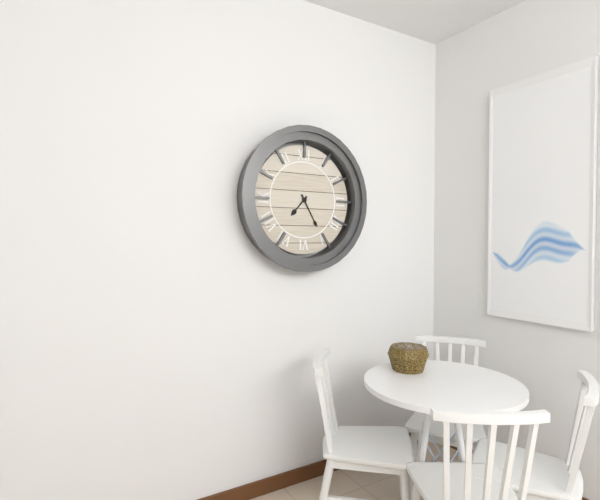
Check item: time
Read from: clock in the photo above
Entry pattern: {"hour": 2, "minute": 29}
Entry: {"hour": 7, "minute": 25}
